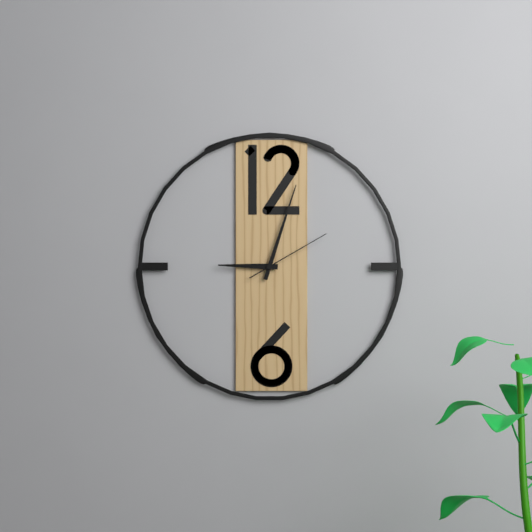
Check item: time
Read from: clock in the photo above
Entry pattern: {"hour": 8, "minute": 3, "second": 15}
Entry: {"hour": 9, "minute": 3, "second": 10}
